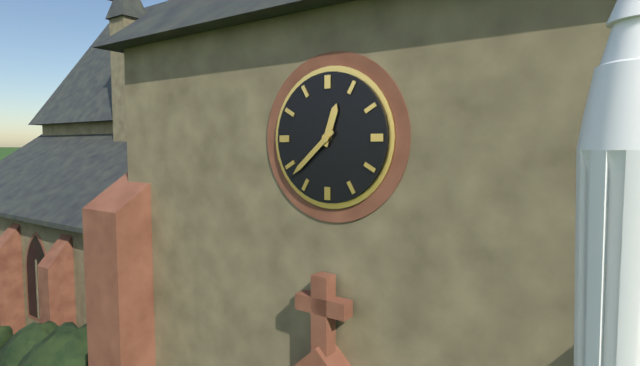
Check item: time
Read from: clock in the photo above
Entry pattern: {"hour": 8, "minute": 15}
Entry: {"hour": 12, "minute": 38}
